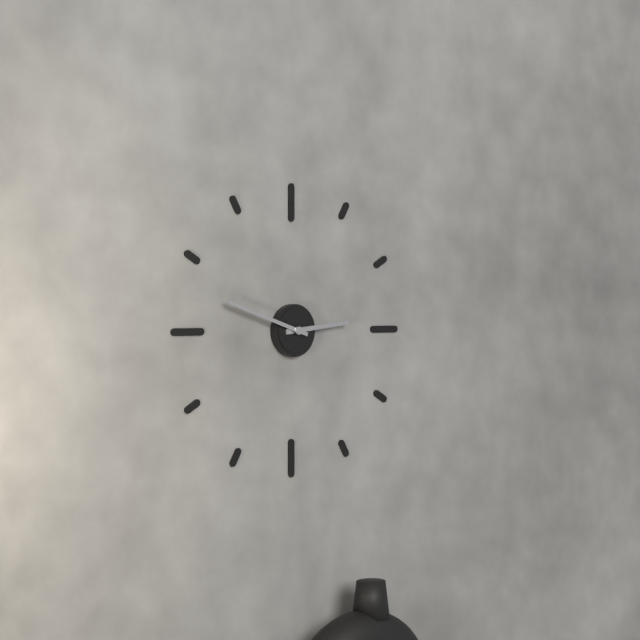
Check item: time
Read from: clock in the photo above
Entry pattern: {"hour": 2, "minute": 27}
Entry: {"hour": 2, "minute": 48}
